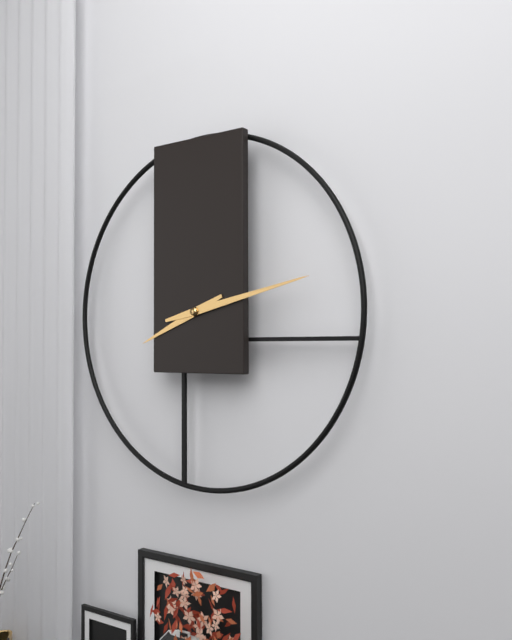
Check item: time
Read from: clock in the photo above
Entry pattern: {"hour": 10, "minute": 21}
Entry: {"hour": 8, "minute": 13}
